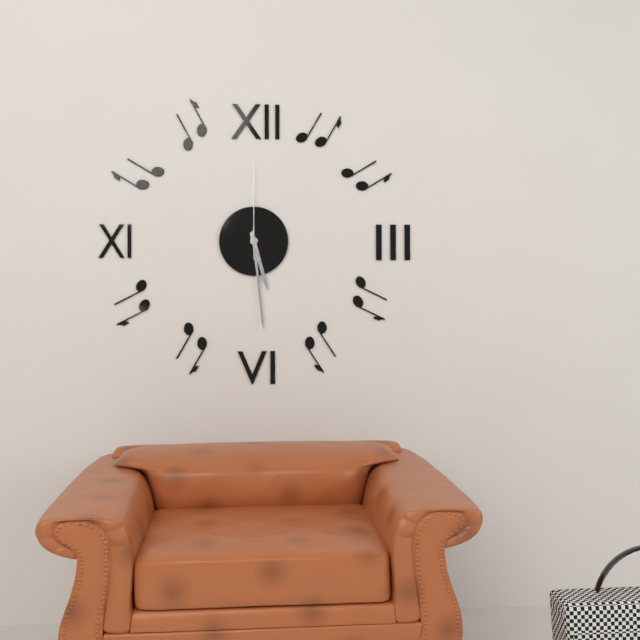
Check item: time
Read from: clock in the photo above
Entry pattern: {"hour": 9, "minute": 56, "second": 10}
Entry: {"hour": 5, "minute": 29, "second": 0}
